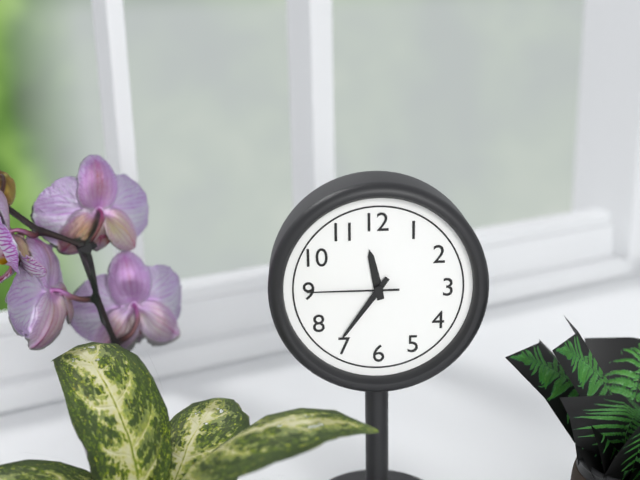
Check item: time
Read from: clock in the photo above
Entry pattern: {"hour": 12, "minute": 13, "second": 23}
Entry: {"hour": 11, "minute": 36, "second": 45}
